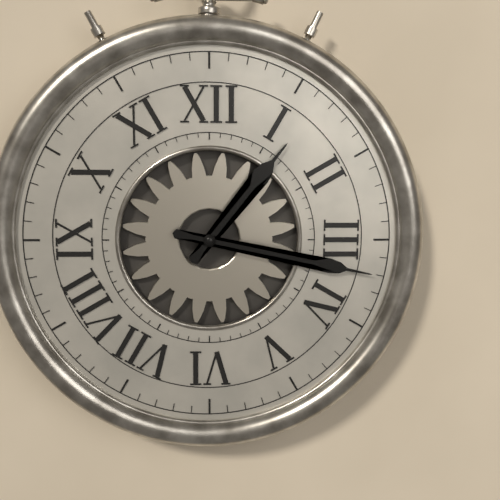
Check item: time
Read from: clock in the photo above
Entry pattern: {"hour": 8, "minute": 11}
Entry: {"hour": 1, "minute": 17}
